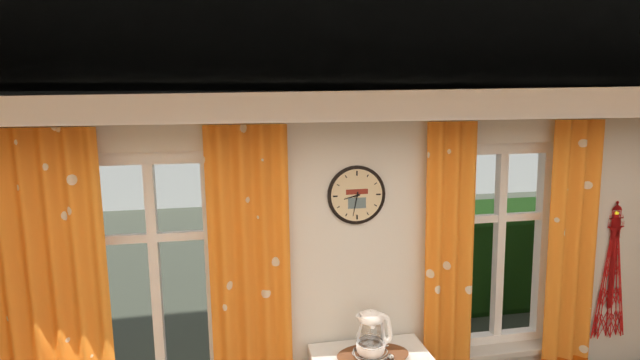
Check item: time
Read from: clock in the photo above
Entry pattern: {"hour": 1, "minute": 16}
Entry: {"hour": 8, "minute": 32}
